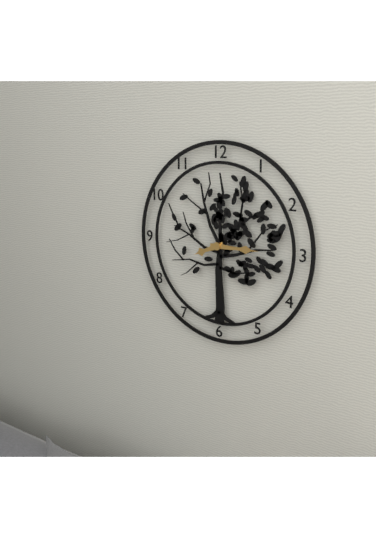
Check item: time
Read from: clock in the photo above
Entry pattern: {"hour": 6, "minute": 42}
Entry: {"hour": 8, "minute": 15}
